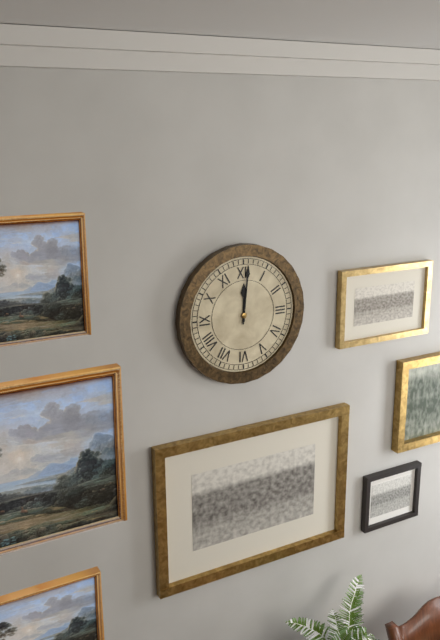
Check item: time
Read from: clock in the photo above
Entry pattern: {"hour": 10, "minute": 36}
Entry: {"hour": 12, "minute": 1}
